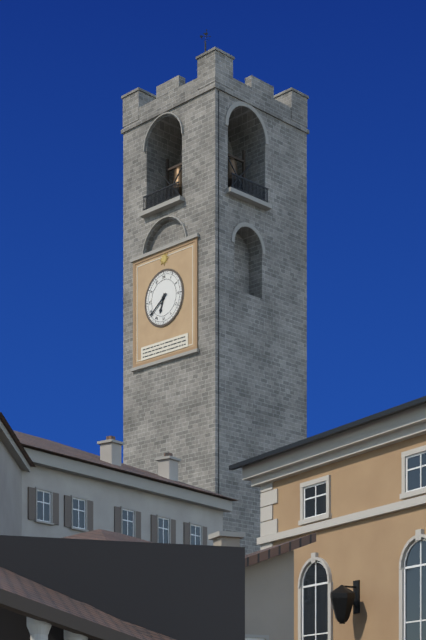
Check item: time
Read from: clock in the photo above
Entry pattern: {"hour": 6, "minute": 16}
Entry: {"hour": 6, "minute": 39}
